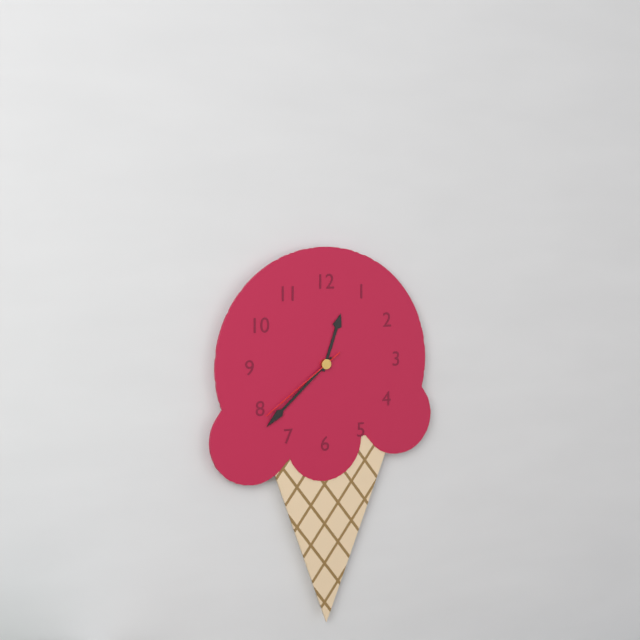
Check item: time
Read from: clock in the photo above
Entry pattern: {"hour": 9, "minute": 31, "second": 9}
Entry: {"hour": 12, "minute": 38, "second": 39}
